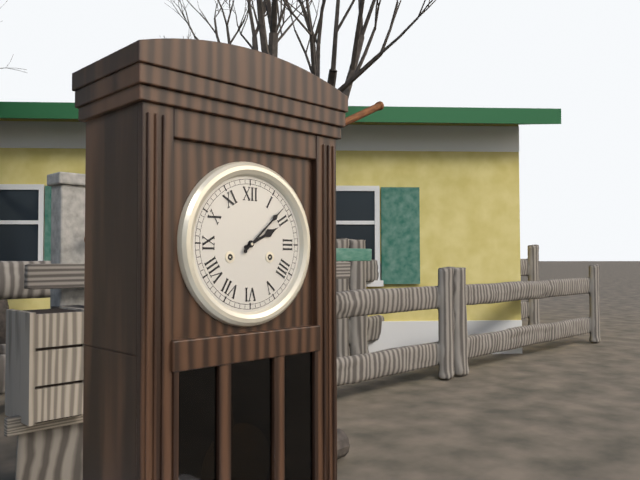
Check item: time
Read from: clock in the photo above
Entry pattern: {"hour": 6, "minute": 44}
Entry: {"hour": 2, "minute": 8}
